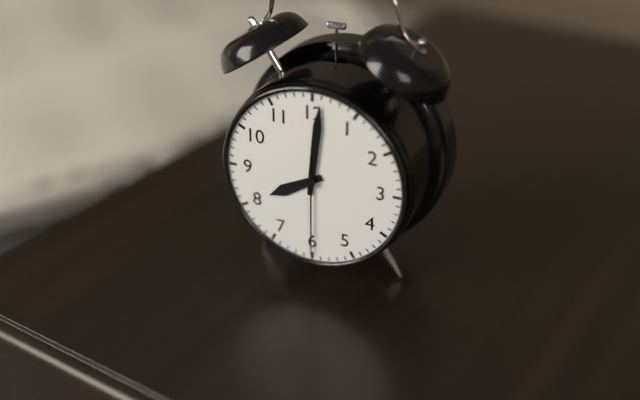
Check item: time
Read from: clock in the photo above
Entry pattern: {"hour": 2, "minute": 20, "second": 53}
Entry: {"hour": 8, "minute": 1, "second": 30}
